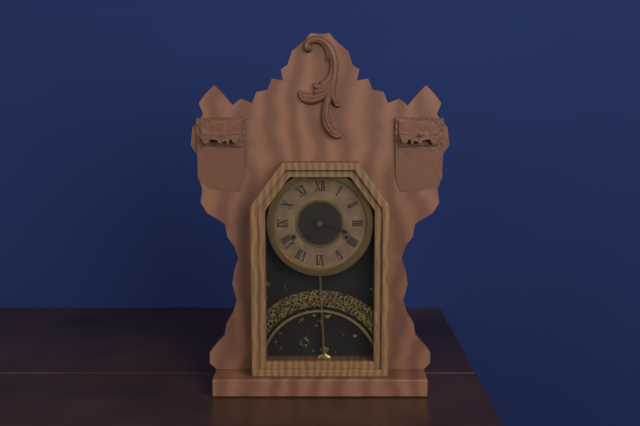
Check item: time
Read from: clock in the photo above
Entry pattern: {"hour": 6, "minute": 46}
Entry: {"hour": 7, "minute": 18}
